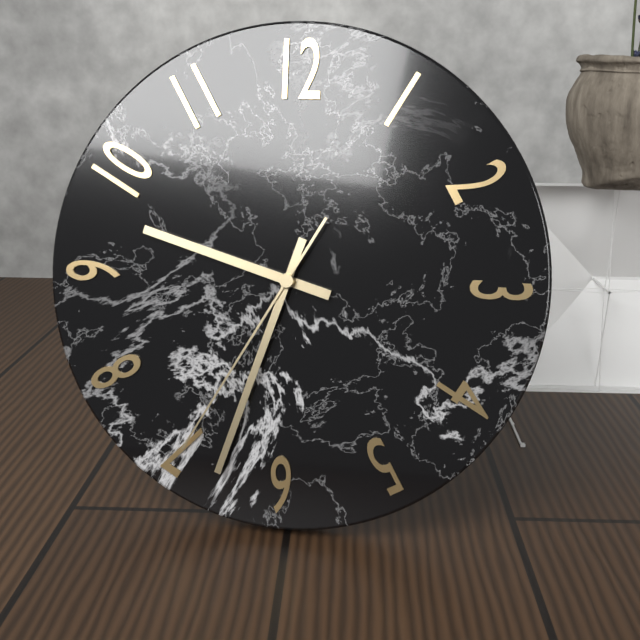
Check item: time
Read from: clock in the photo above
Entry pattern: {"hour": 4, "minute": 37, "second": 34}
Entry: {"hour": 9, "minute": 33, "second": 35}
